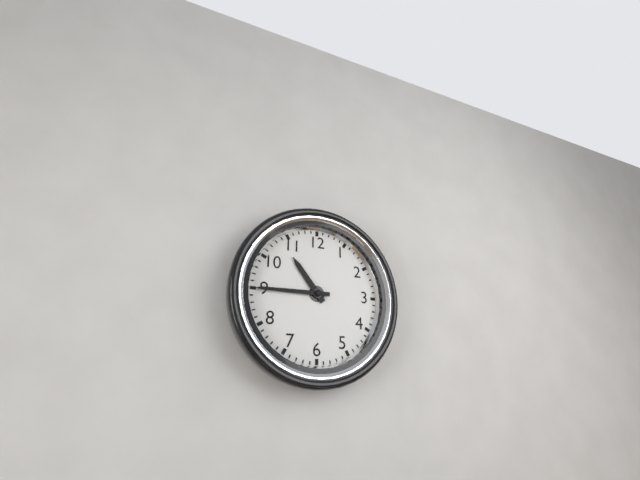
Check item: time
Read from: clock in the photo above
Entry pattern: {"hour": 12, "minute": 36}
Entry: {"hour": 10, "minute": 45}
